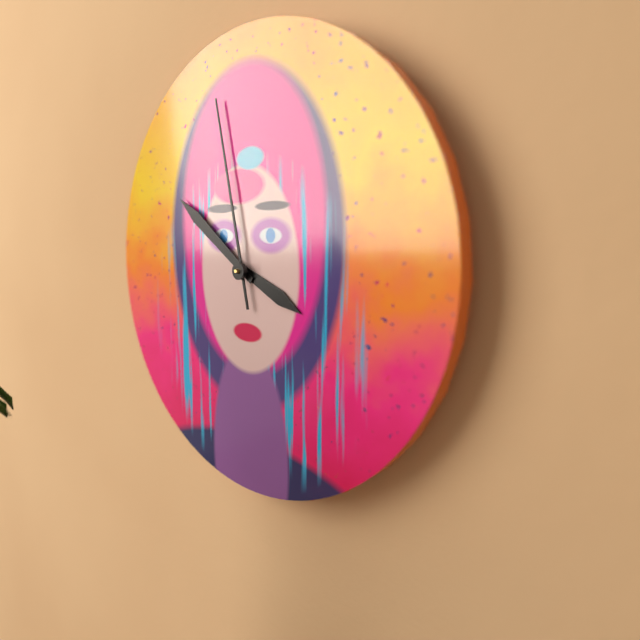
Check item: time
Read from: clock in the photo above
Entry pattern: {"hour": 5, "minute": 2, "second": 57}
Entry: {"hour": 3, "minute": 51, "second": 58}
